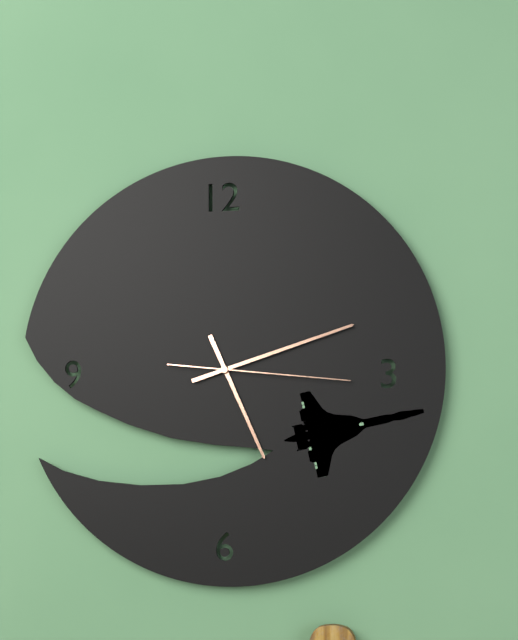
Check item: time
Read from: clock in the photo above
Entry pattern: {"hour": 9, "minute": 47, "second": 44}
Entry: {"hour": 5, "minute": 12, "second": 16}
